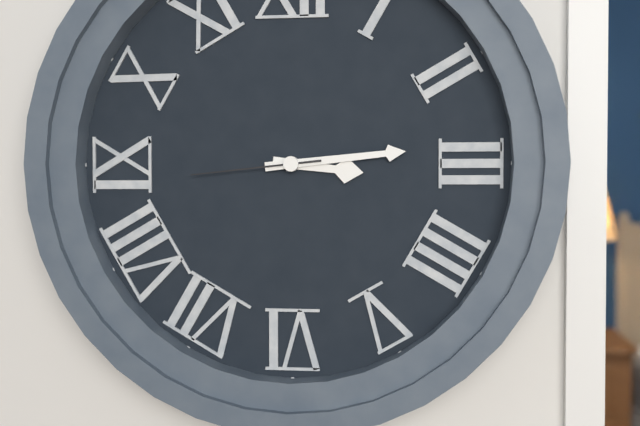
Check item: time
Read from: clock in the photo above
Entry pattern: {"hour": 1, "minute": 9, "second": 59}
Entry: {"hour": 3, "minute": 14, "second": 44}
